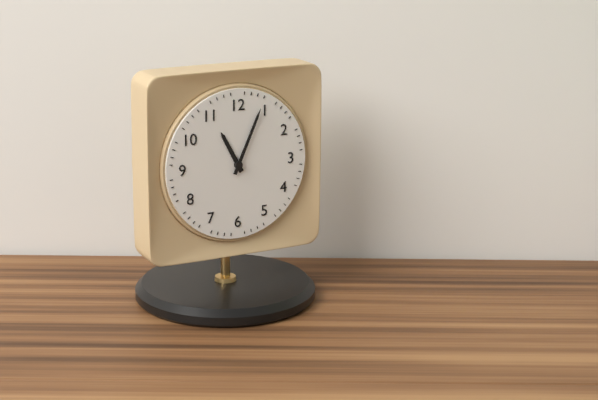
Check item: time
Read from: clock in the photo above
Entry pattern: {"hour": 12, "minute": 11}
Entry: {"hour": 11, "minute": 4}
